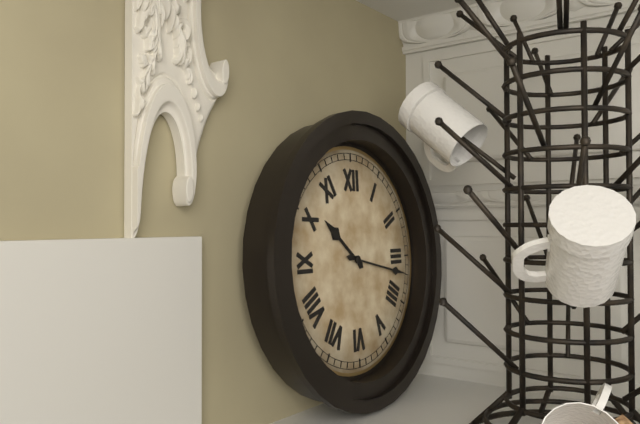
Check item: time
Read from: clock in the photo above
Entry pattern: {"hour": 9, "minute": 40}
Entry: {"hour": 10, "minute": 17}
